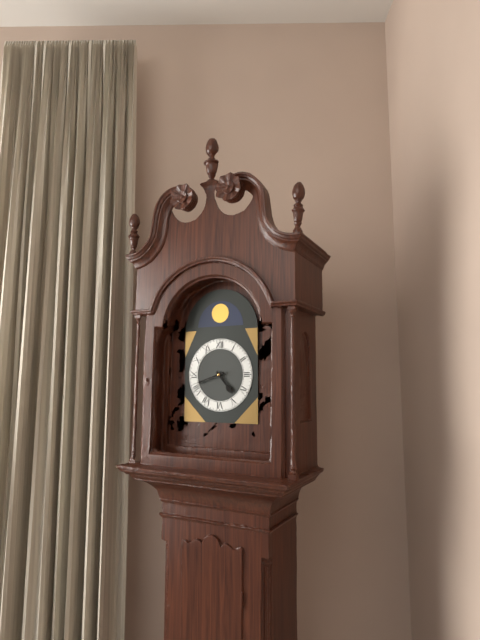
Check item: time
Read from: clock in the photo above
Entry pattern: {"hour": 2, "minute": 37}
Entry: {"hour": 4, "minute": 42}
